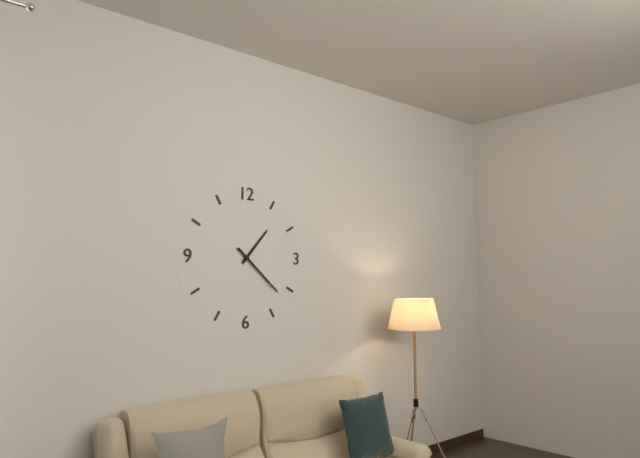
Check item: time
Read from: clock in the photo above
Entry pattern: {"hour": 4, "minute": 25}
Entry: {"hour": 1, "minute": 22}
